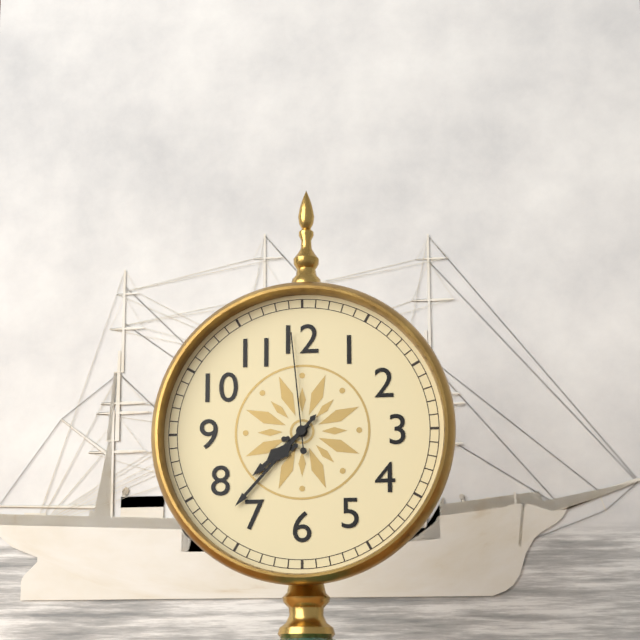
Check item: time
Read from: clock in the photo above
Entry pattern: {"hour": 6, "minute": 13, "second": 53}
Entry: {"hour": 7, "minute": 37, "second": 59}
